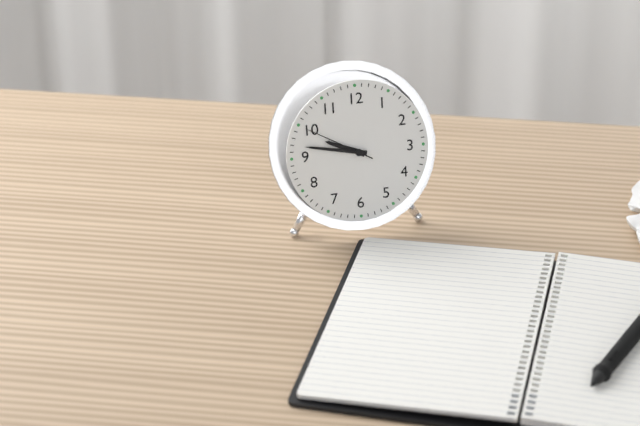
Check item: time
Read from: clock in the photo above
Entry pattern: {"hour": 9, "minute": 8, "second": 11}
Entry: {"hour": 9, "minute": 47, "second": 50}
